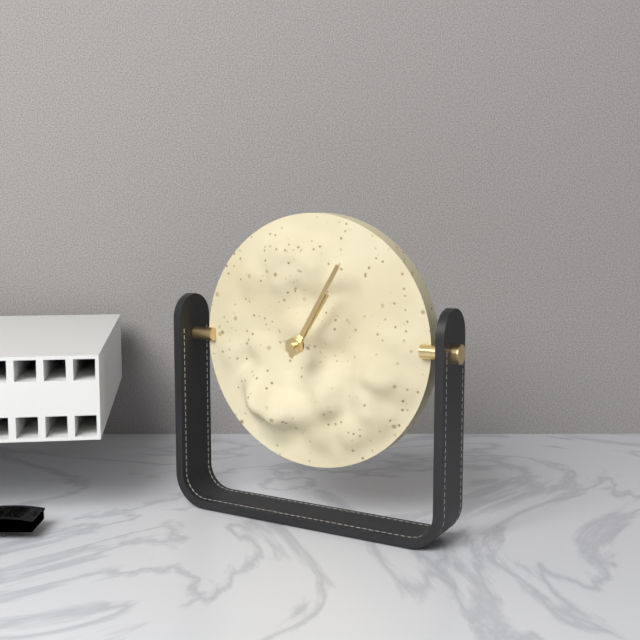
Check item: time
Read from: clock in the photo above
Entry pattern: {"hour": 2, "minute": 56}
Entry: {"hour": 1, "minute": 5}
